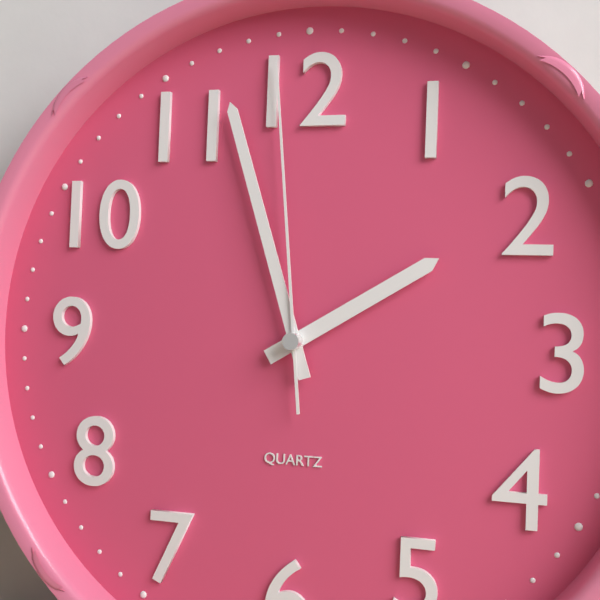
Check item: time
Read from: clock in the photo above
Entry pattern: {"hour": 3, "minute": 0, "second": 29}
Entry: {"hour": 1, "minute": 57, "second": 59}
